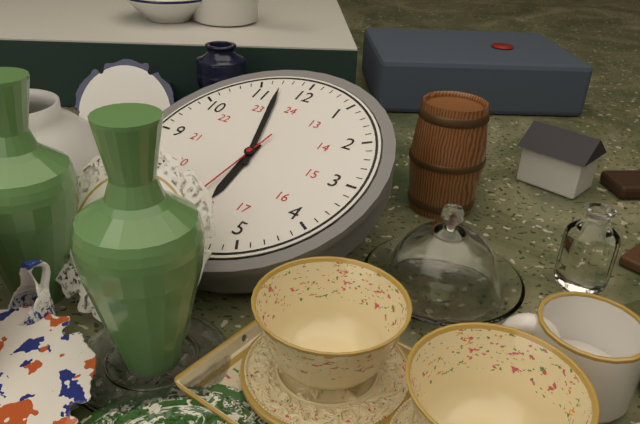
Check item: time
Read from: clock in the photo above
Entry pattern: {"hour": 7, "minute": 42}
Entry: {"hour": 5, "minute": 57}
